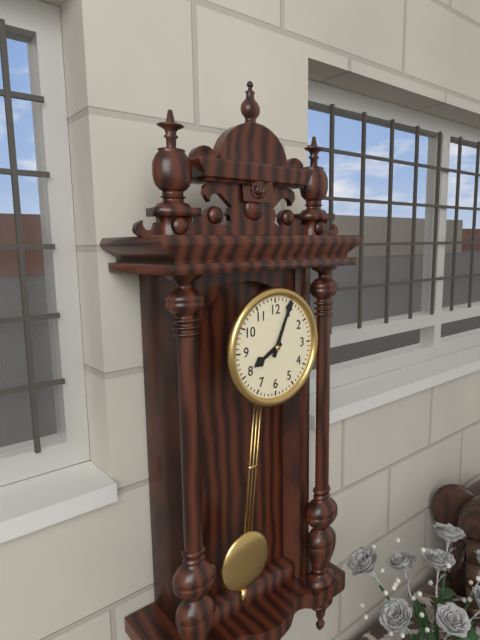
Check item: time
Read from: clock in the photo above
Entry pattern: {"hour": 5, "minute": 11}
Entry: {"hour": 8, "minute": 4}
